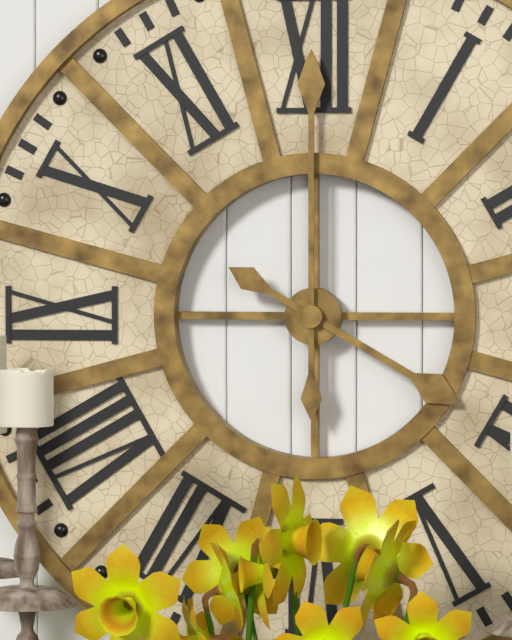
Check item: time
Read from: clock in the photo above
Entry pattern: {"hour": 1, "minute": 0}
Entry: {"hour": 4, "minute": 0}
